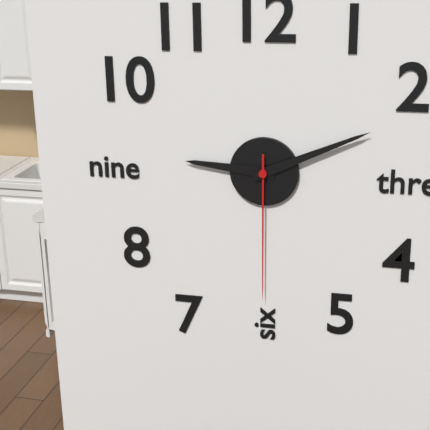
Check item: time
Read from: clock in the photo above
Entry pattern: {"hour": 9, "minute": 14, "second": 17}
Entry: {"hour": 9, "minute": 11, "second": 30}
